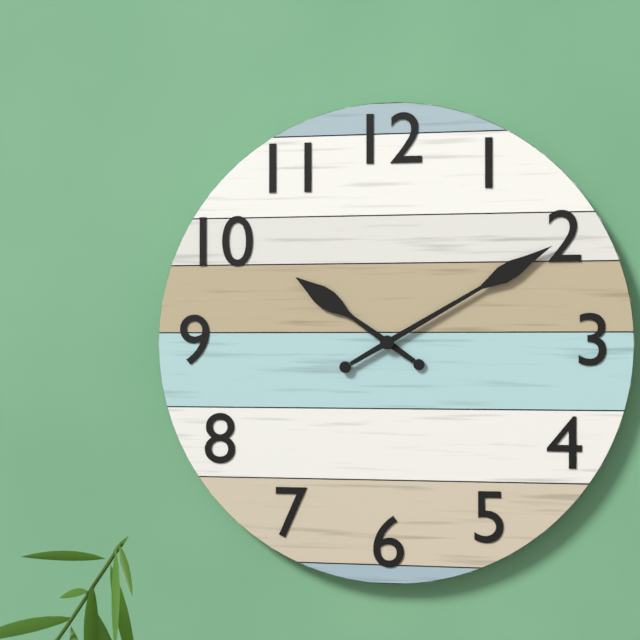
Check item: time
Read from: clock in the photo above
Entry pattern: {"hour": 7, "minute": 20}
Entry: {"hour": 10, "minute": 10}
